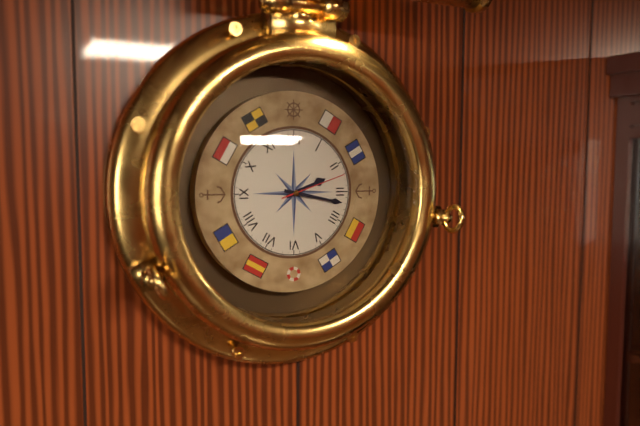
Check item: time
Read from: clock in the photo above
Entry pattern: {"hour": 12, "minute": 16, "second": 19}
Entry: {"hour": 2, "minute": 17, "second": 12}
